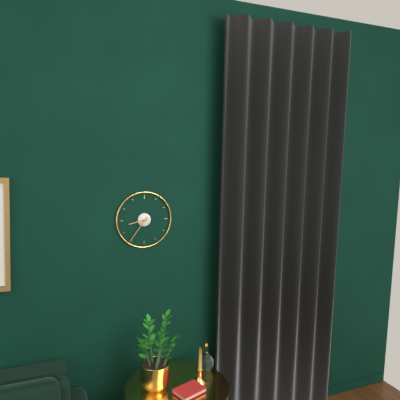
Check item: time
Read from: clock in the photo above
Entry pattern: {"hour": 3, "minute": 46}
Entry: {"hour": 8, "minute": 36}
